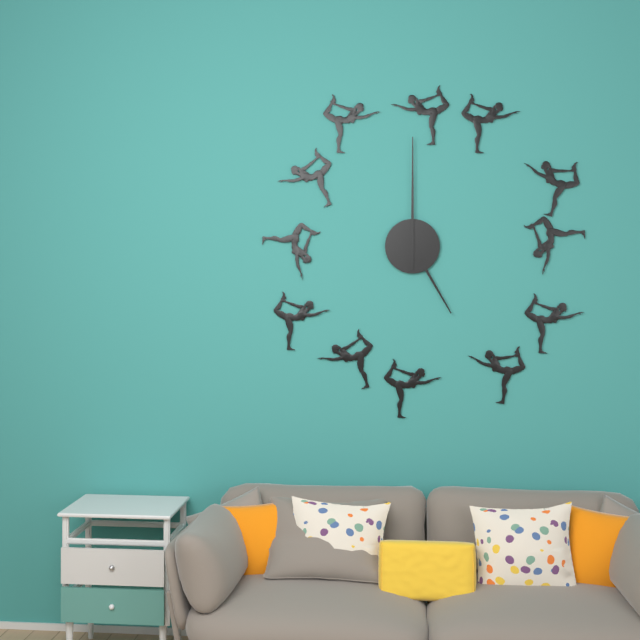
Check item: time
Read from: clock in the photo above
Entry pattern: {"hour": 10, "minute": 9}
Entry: {"hour": 5, "minute": 0}
